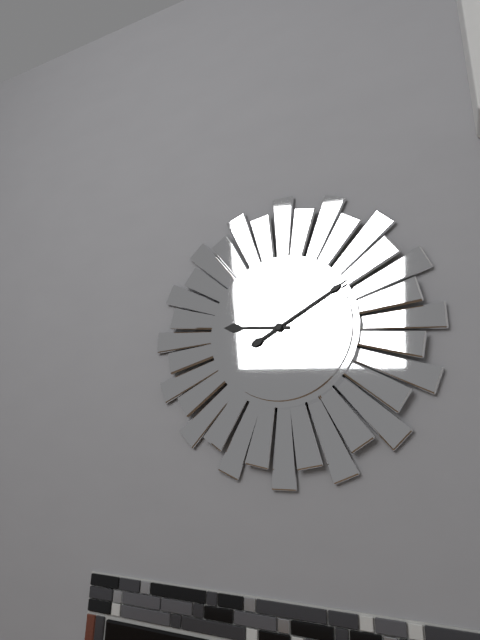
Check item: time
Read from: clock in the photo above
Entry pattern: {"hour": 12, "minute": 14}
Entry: {"hour": 9, "minute": 10}
